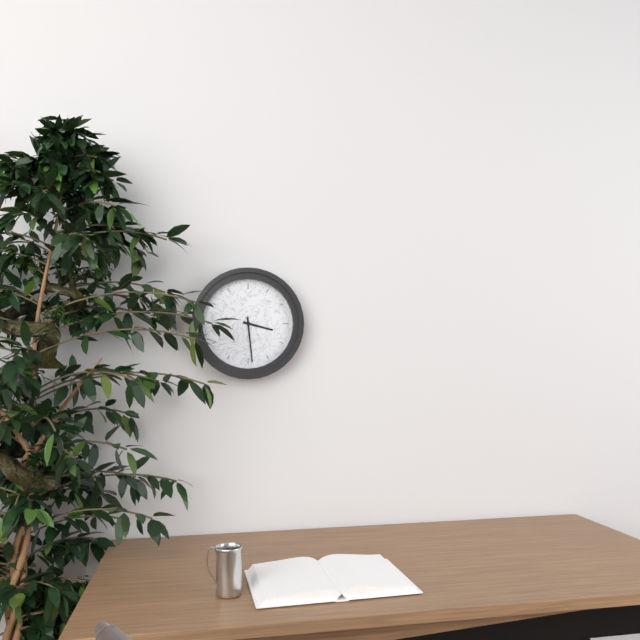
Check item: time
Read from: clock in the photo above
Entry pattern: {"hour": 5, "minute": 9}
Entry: {"hour": 3, "minute": 29}
